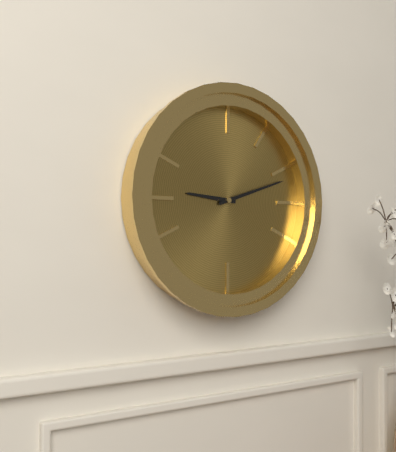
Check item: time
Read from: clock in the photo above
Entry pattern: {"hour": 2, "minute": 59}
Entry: {"hour": 9, "minute": 12}
